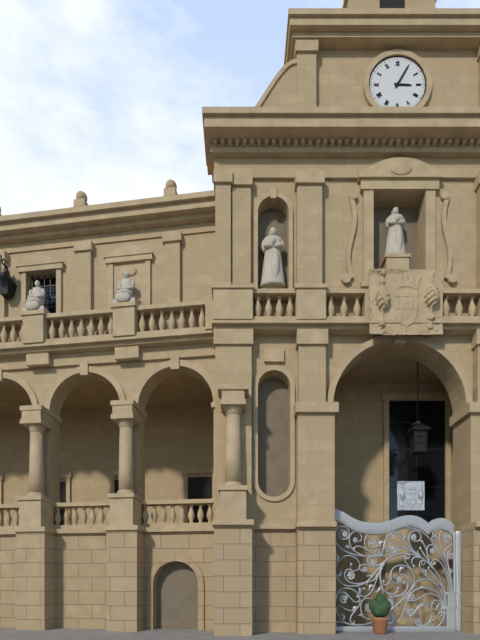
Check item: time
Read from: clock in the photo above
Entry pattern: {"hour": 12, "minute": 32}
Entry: {"hour": 3, "minute": 5}
